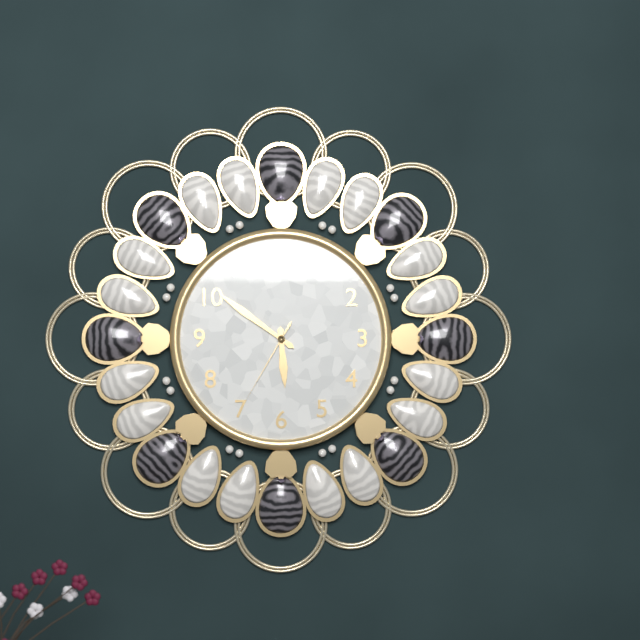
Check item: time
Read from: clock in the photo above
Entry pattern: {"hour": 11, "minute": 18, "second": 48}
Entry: {"hour": 5, "minute": 51, "second": 35}
